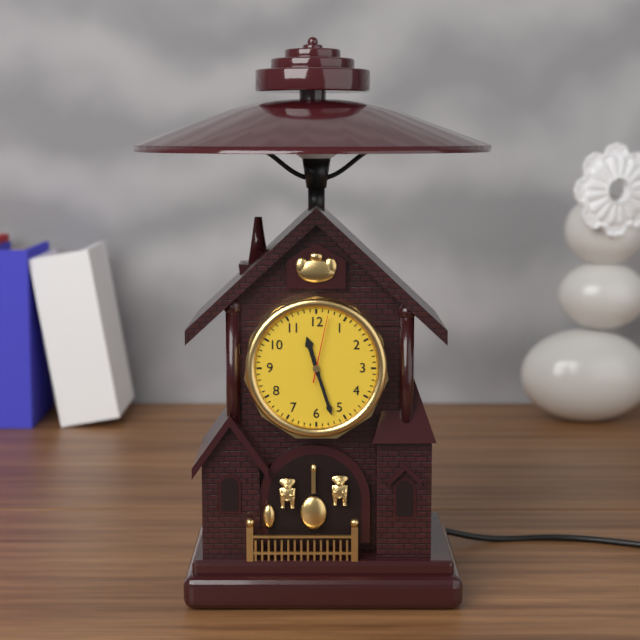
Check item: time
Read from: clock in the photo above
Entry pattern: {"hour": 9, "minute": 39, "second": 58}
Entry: {"hour": 11, "minute": 27, "second": 2}
